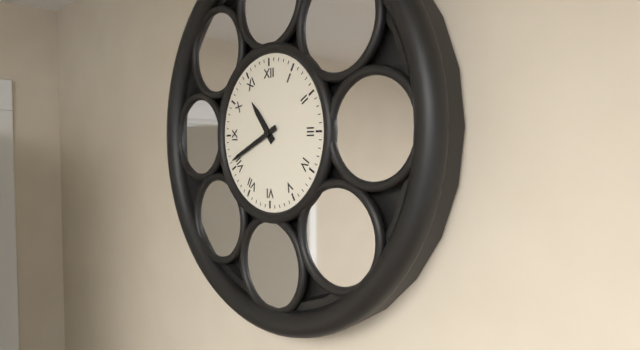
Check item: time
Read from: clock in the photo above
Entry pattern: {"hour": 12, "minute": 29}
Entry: {"hour": 10, "minute": 41}
